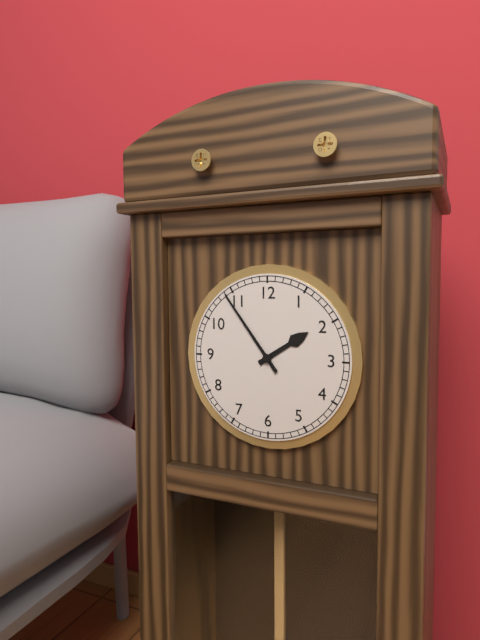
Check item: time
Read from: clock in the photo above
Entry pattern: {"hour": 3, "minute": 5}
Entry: {"hour": 1, "minute": 54}
